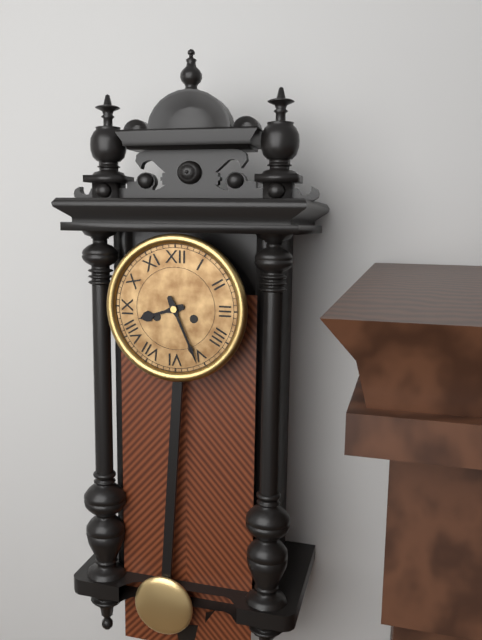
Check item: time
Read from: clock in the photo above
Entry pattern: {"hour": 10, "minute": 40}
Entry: {"hour": 8, "minute": 26}
